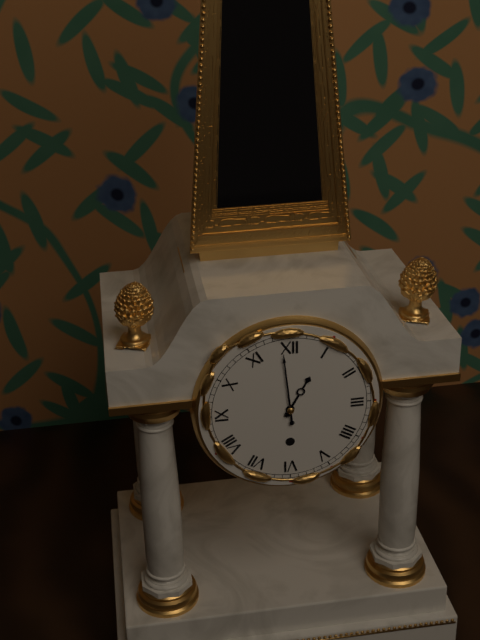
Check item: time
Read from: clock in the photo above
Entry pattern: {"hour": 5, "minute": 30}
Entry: {"hour": 12, "minute": 59}
